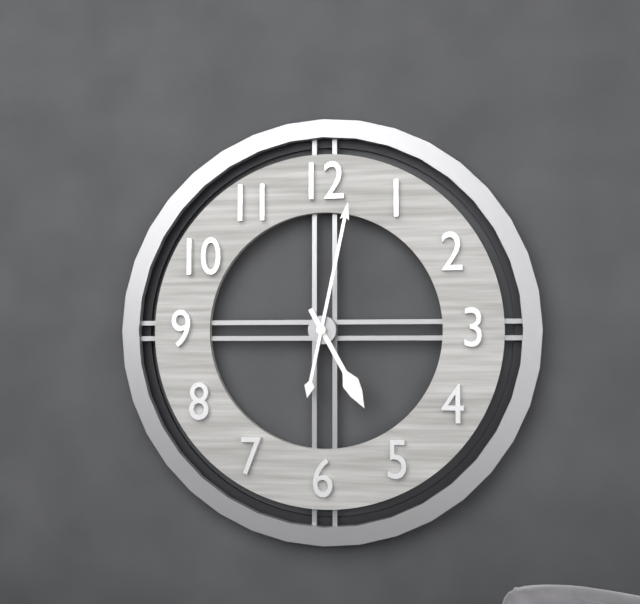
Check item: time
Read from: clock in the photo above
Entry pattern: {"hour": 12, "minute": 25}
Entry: {"hour": 5, "minute": 2}
